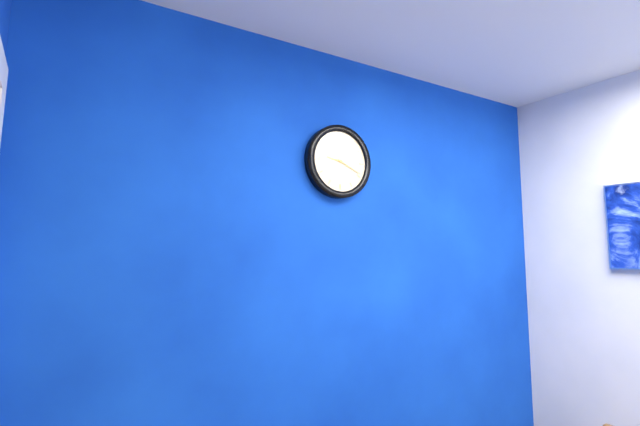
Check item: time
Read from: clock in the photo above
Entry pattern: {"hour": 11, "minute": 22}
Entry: {"hour": 9, "minute": 19}
